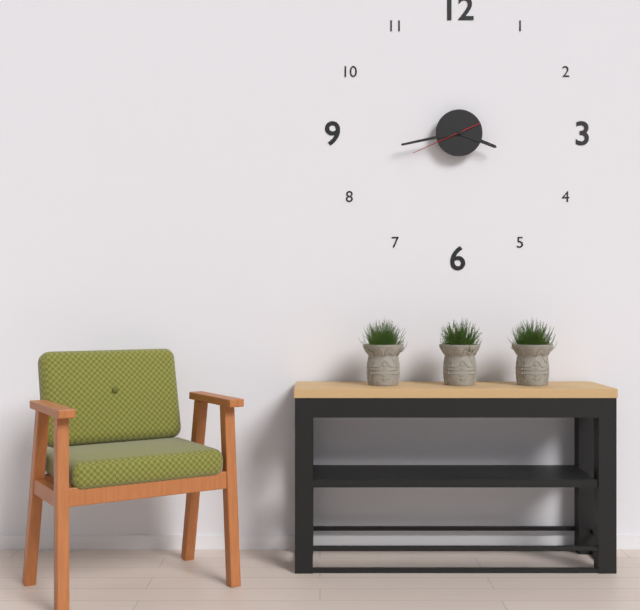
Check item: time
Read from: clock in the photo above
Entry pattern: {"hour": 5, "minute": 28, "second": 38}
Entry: {"hour": 3, "minute": 43, "second": 41}
